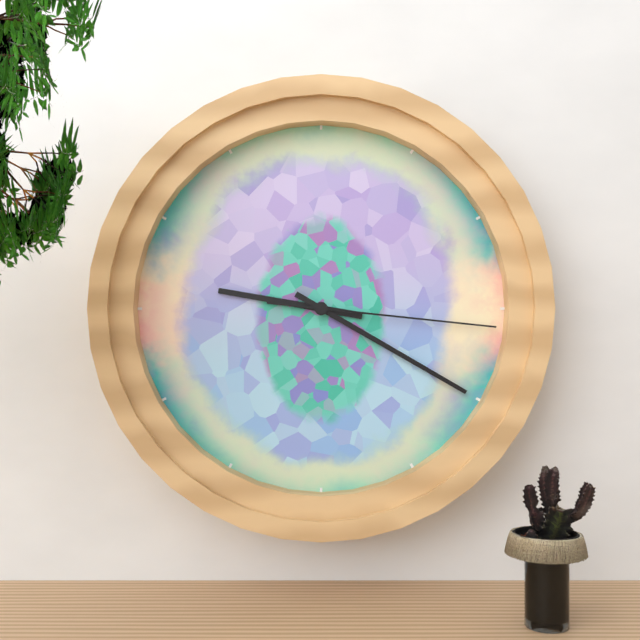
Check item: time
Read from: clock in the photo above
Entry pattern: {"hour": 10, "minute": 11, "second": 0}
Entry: {"hour": 9, "minute": 20, "second": 16}
